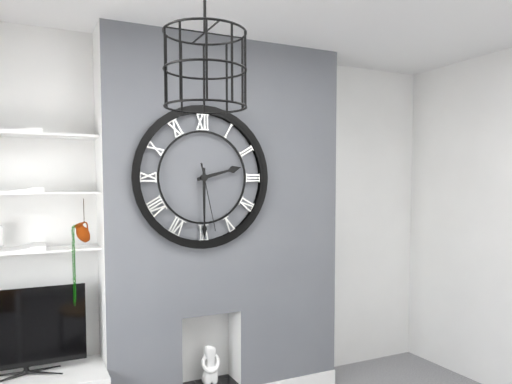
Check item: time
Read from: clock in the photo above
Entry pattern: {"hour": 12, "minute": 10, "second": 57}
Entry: {"hour": 2, "minute": 30, "second": 28}
